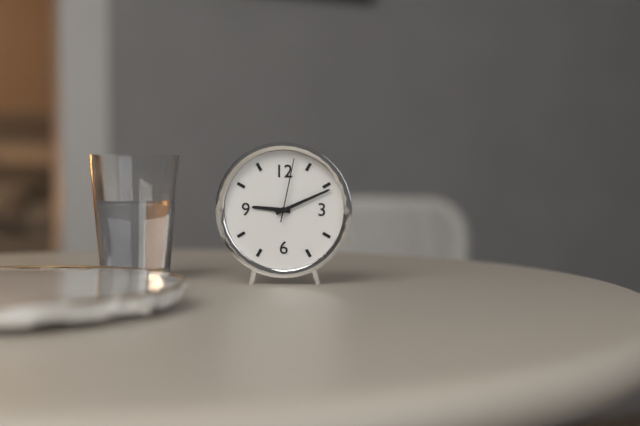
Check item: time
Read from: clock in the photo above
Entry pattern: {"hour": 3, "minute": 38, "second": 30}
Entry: {"hour": 9, "minute": 11, "second": 2}
